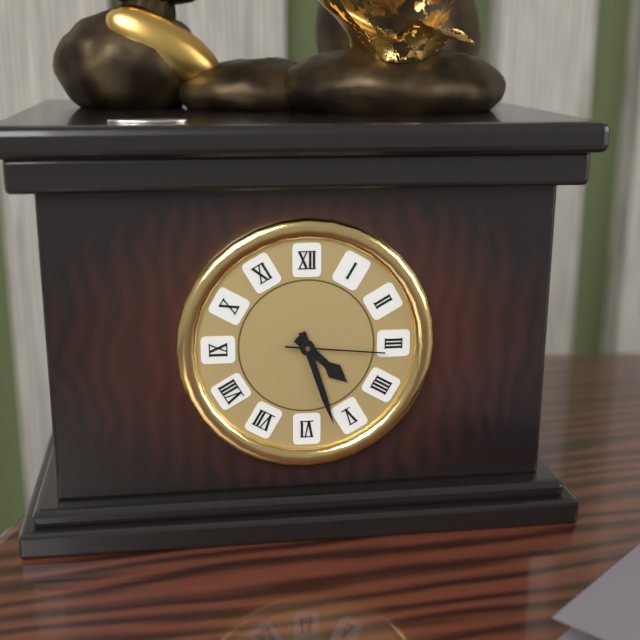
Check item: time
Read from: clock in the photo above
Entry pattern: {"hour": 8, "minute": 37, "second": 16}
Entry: {"hour": 4, "minute": 27, "second": 16}
